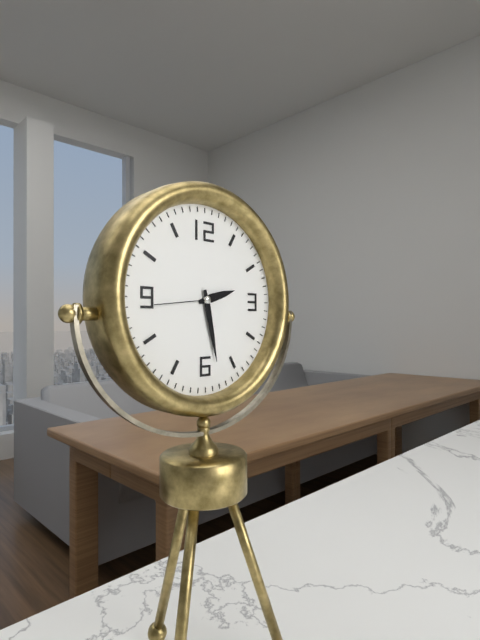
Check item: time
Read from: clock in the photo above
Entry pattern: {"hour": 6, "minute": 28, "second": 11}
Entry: {"hour": 2, "minute": 28, "second": 44}
